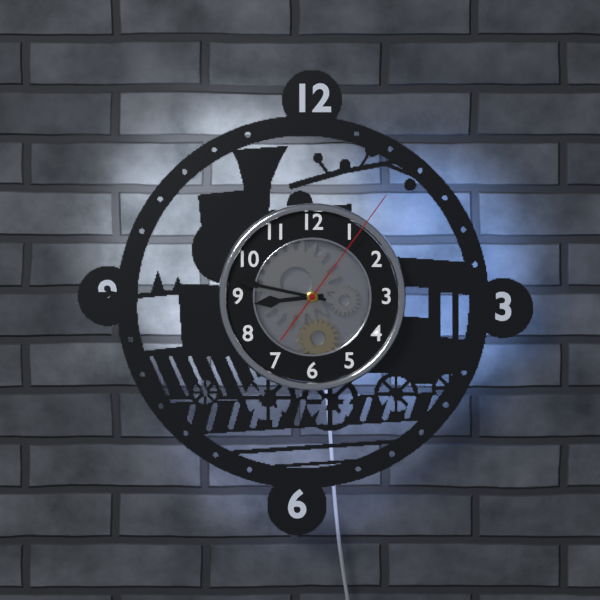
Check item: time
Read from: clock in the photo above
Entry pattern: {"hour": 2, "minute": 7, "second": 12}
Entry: {"hour": 8, "minute": 47, "second": 6}
